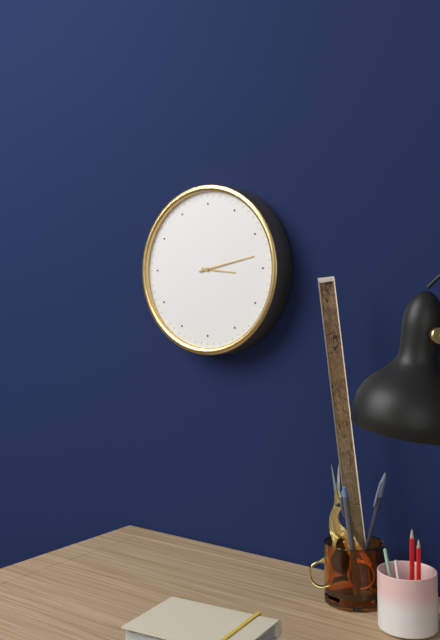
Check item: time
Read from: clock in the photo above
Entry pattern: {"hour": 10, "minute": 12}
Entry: {"hour": 3, "minute": 13}
